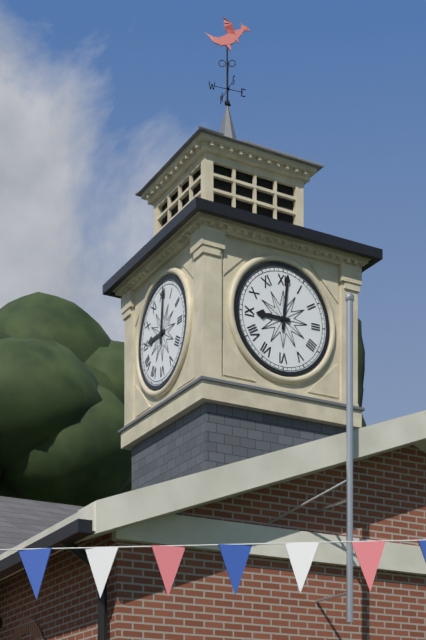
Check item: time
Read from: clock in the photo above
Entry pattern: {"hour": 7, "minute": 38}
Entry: {"hour": 9, "minute": 1}
